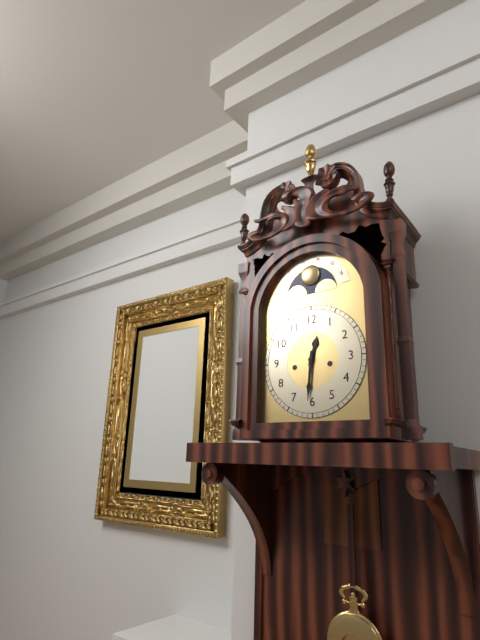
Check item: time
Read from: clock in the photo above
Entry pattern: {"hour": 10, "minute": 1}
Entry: {"hour": 12, "minute": 31}
